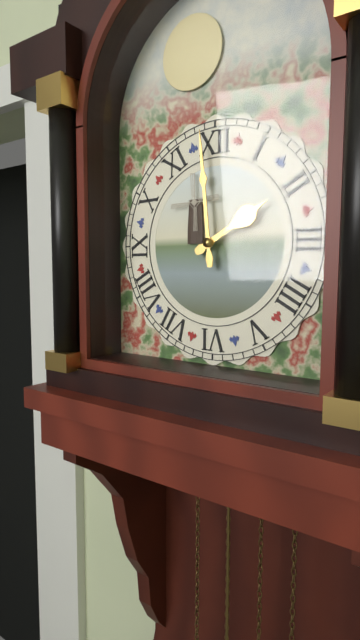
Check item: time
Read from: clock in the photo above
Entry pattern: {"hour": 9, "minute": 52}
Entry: {"hour": 1, "minute": 59}
